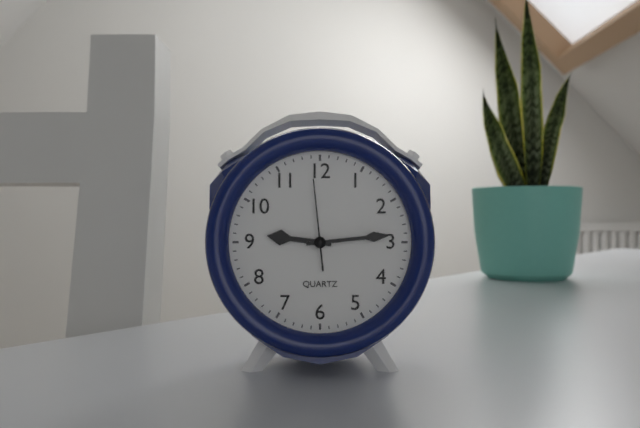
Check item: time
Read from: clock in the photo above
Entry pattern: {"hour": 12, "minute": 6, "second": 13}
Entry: {"hour": 9, "minute": 14, "second": 59}
